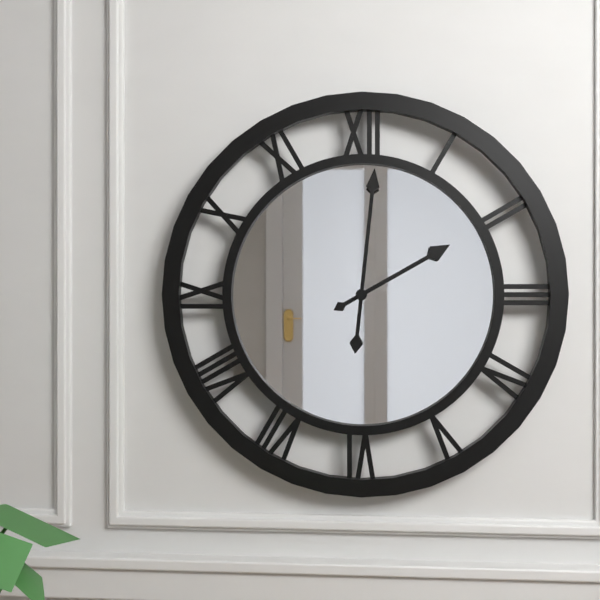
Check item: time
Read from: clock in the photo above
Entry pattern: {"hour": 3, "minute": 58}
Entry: {"hour": 2, "minute": 1}
